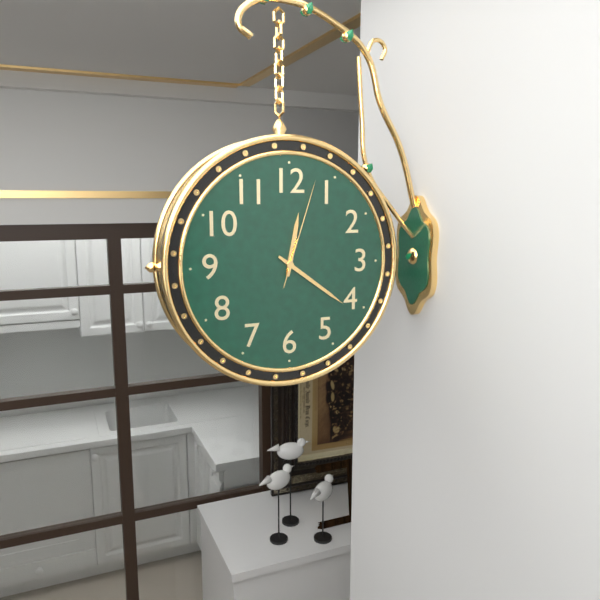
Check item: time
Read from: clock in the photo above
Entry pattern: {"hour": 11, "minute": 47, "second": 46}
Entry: {"hour": 12, "minute": 21, "second": 3}
